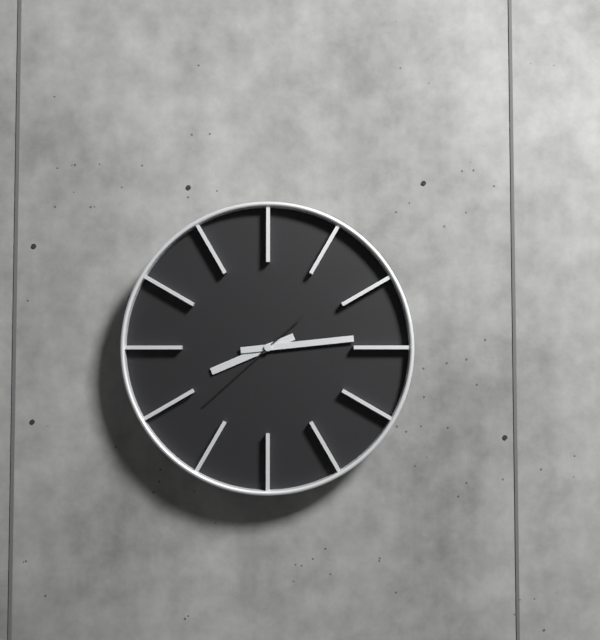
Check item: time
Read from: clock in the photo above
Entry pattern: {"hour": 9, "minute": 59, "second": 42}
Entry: {"hour": 8, "minute": 14, "second": 38}
